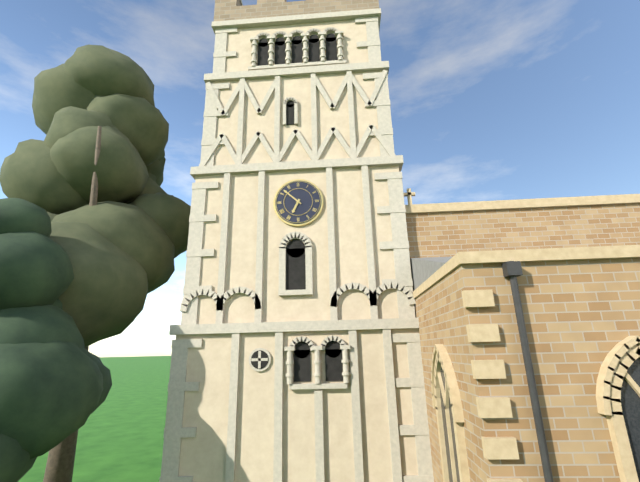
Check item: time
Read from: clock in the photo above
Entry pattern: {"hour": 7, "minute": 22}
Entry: {"hour": 6, "minute": 52}
